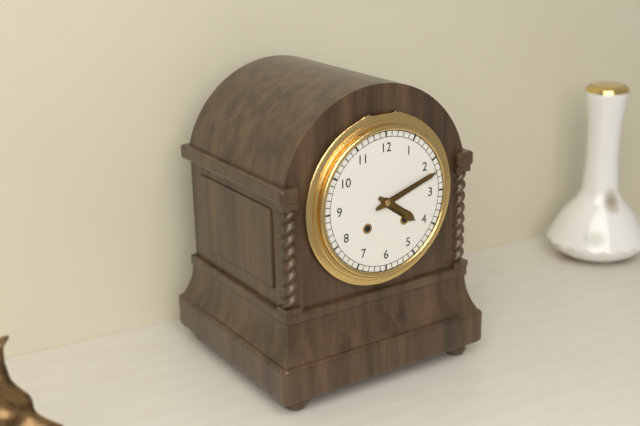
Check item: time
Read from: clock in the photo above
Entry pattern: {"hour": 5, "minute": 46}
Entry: {"hour": 4, "minute": 12}
